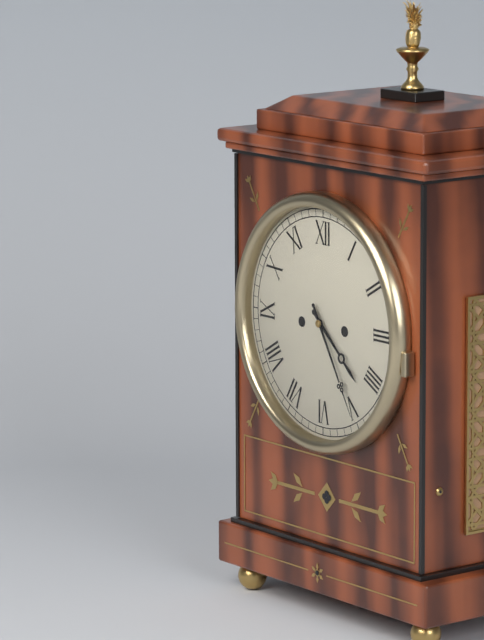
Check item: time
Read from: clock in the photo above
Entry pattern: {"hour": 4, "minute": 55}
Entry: {"hour": 4, "minute": 25}
